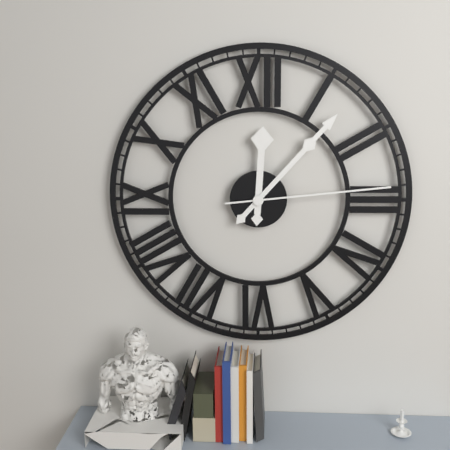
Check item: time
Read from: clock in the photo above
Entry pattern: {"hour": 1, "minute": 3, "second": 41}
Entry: {"hour": 12, "minute": 7, "second": 14}
